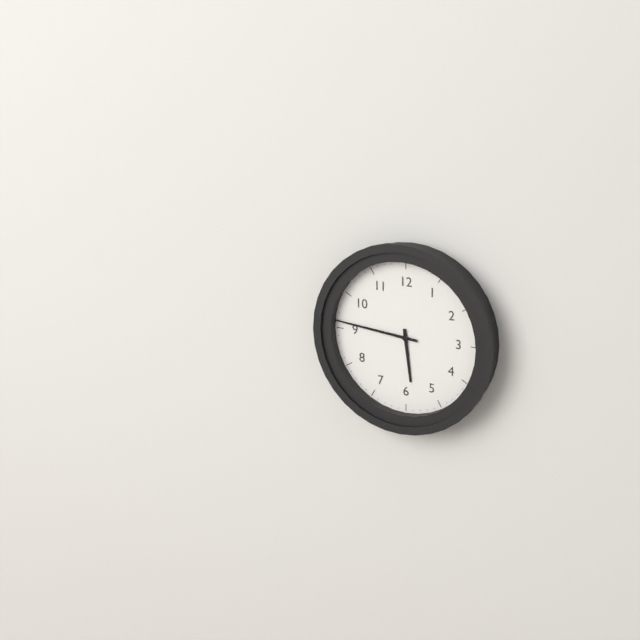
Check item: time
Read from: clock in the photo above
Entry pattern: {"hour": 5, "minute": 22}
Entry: {"hour": 5, "minute": 46}
